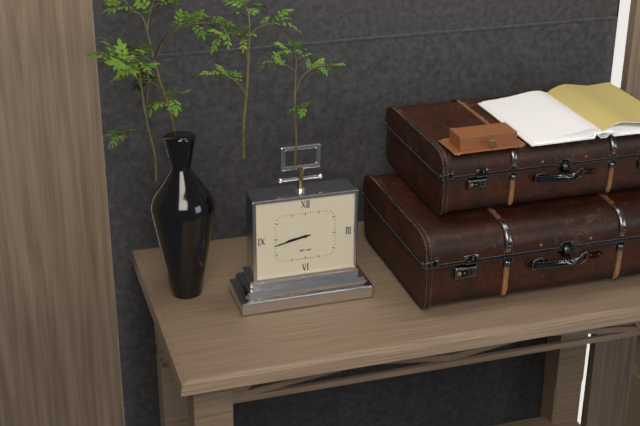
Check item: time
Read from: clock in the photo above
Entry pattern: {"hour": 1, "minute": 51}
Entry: {"hour": 8, "minute": 43}
